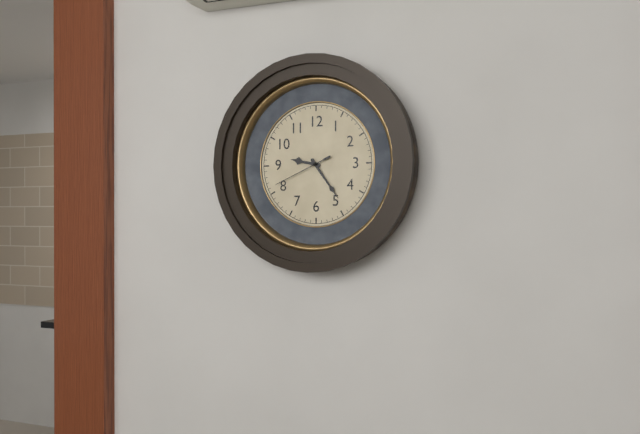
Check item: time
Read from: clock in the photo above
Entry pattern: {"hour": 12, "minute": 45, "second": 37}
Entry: {"hour": 9, "minute": 24, "second": 41}
